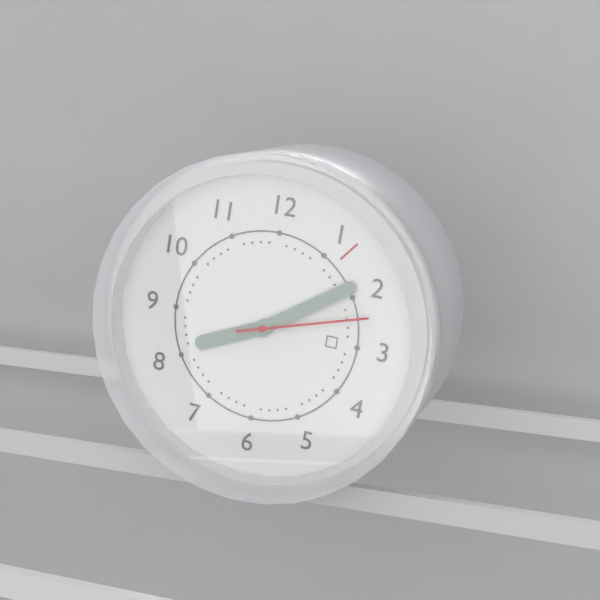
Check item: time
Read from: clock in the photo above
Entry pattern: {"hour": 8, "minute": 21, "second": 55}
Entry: {"hour": 8, "minute": 9, "second": 12}
